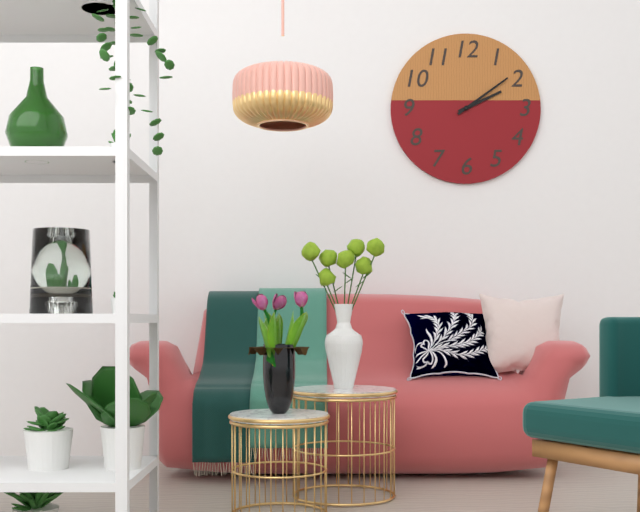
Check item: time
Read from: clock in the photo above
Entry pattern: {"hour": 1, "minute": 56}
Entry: {"hour": 2, "minute": 9}
